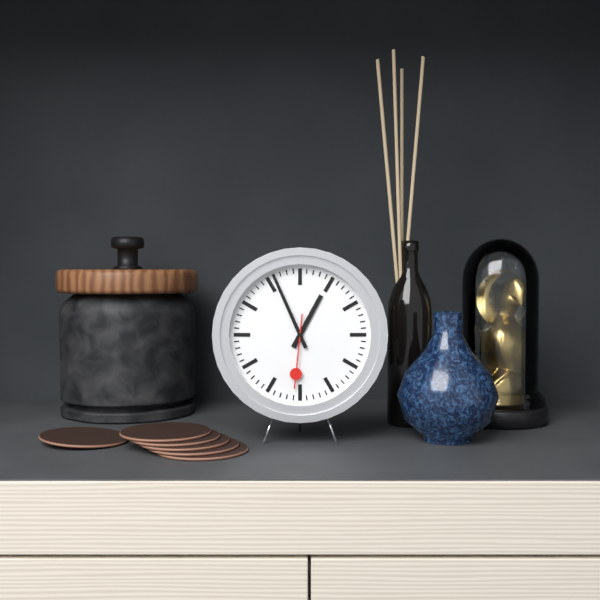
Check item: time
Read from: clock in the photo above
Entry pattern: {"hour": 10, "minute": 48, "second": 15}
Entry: {"hour": 12, "minute": 56, "second": 31}
